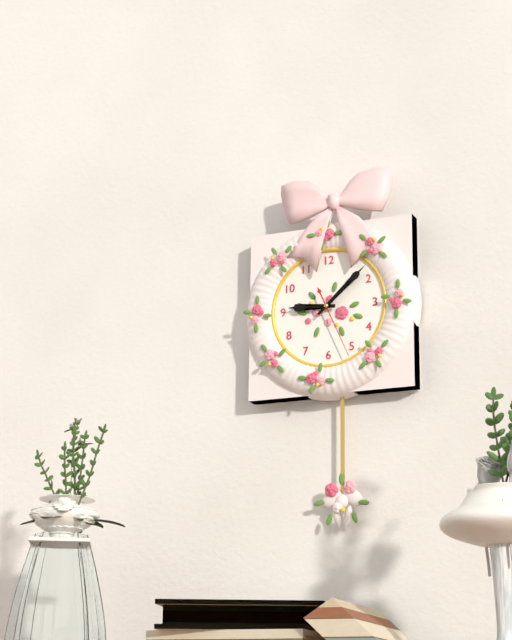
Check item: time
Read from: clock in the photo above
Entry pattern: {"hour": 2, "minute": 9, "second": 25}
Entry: {"hour": 9, "minute": 8, "second": 26}
